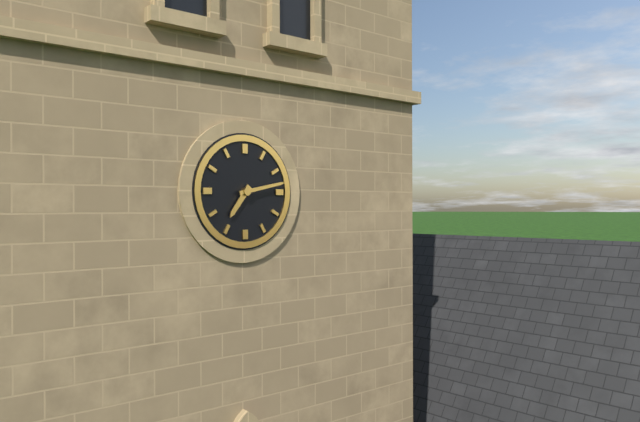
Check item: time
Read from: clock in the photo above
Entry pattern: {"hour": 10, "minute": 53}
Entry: {"hour": 7, "minute": 13}
